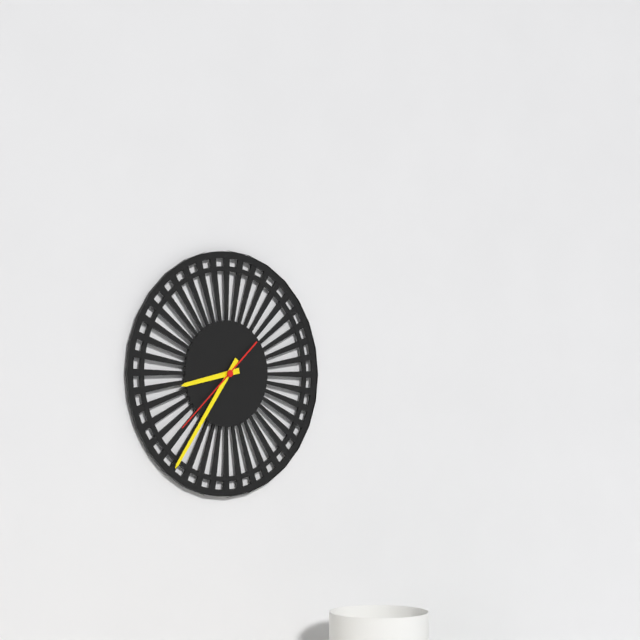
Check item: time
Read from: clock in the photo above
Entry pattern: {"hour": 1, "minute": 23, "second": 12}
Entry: {"hour": 8, "minute": 36, "second": 38}
